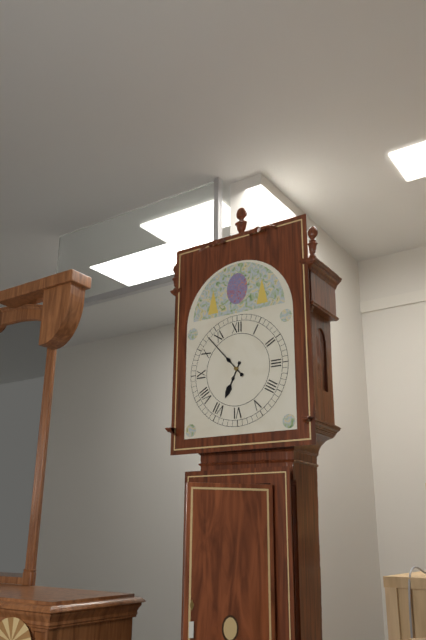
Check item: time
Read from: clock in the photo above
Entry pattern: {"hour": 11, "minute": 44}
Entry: {"hour": 6, "minute": 53}
